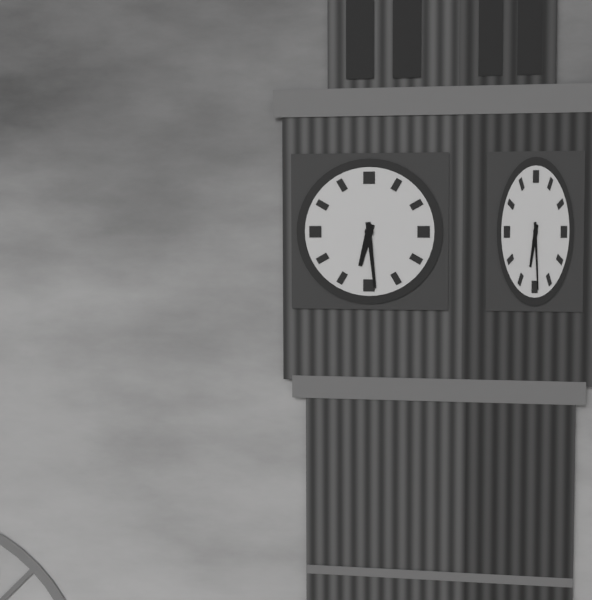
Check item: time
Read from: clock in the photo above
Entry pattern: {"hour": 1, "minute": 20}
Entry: {"hour": 6, "minute": 29}
